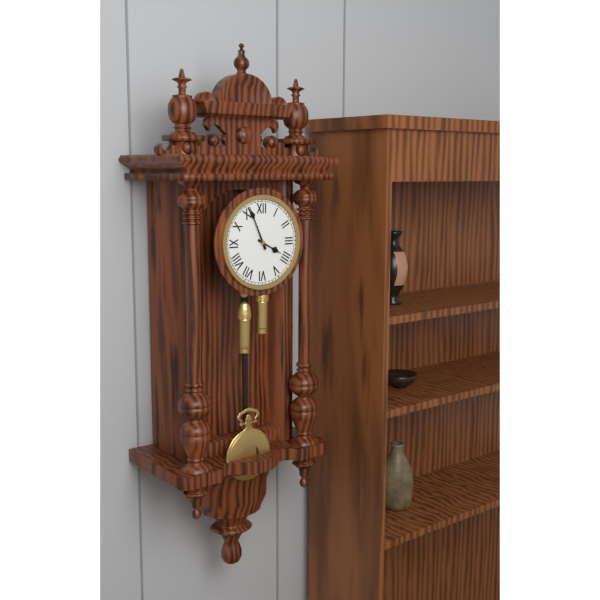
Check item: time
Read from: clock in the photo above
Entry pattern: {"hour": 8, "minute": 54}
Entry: {"hour": 3, "minute": 56}
